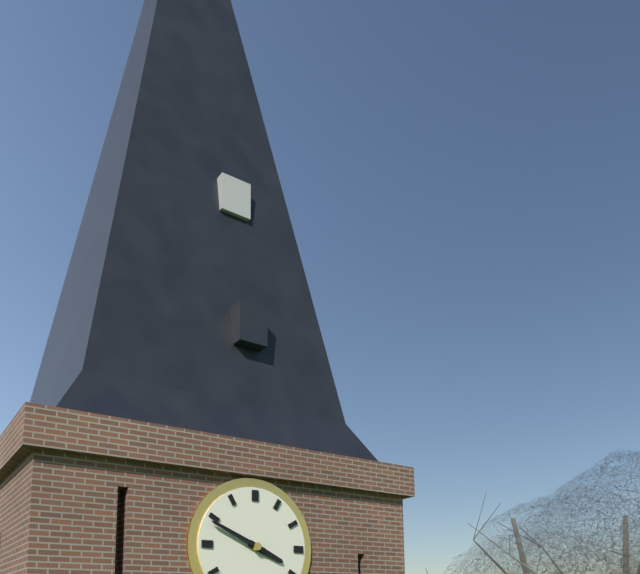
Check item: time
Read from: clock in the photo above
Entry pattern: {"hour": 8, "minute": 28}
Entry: {"hour": 3, "minute": 49}
